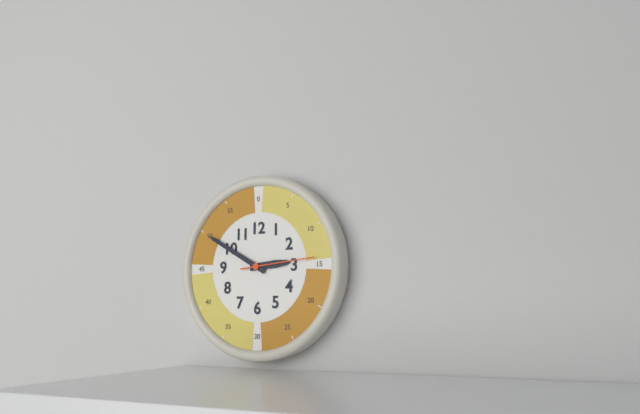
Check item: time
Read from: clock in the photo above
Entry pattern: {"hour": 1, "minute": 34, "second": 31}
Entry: {"hour": 2, "minute": 50, "second": 14}
